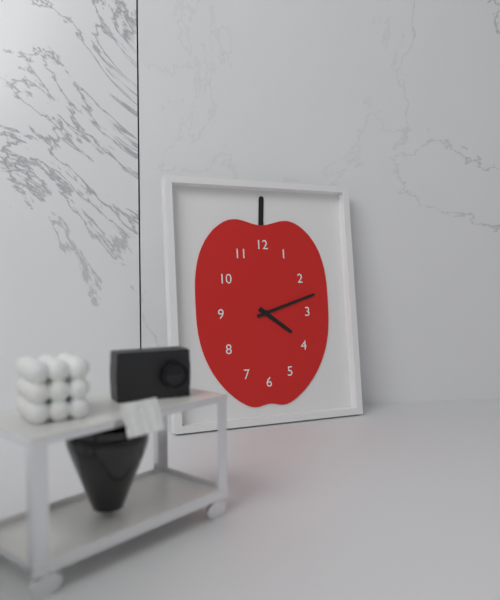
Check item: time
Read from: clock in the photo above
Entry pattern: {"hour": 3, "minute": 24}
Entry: {"hour": 4, "minute": 12}
